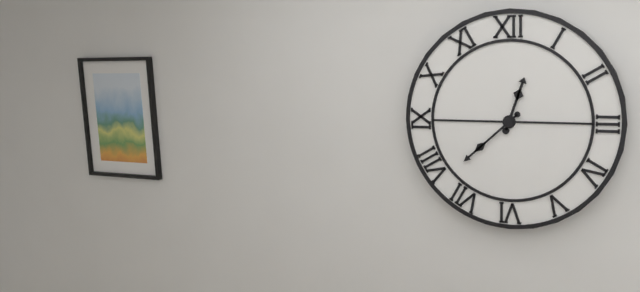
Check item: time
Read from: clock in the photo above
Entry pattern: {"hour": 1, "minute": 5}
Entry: {"hour": 12, "minute": 38}
